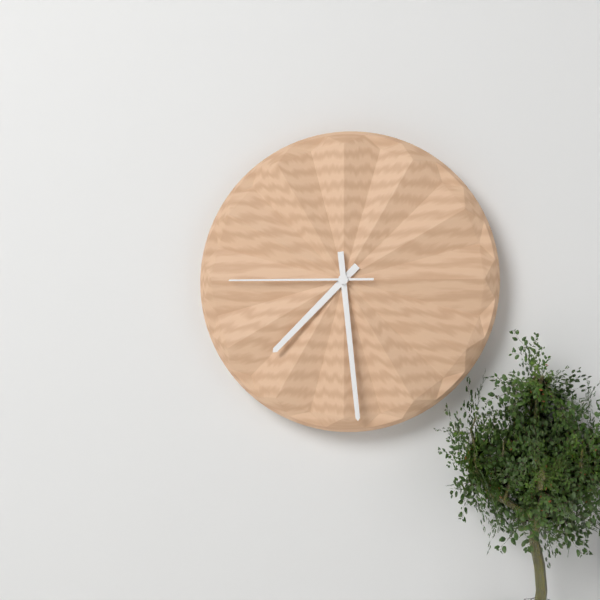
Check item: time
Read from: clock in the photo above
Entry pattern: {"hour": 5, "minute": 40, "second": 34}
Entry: {"hour": 7, "minute": 29, "second": 45}
